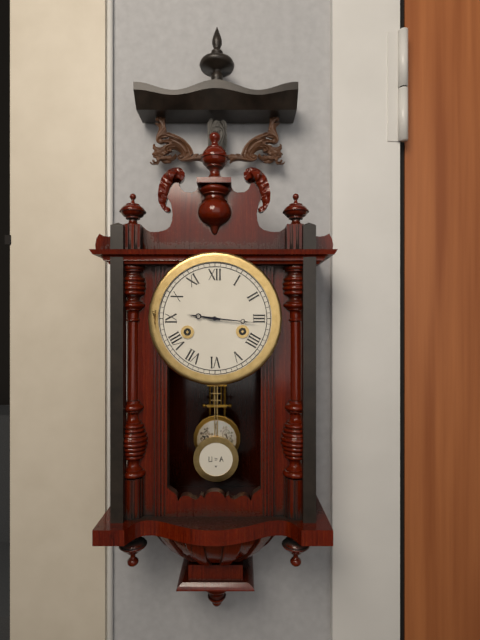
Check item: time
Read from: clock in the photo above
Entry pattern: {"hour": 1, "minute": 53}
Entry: {"hour": 9, "minute": 16}
